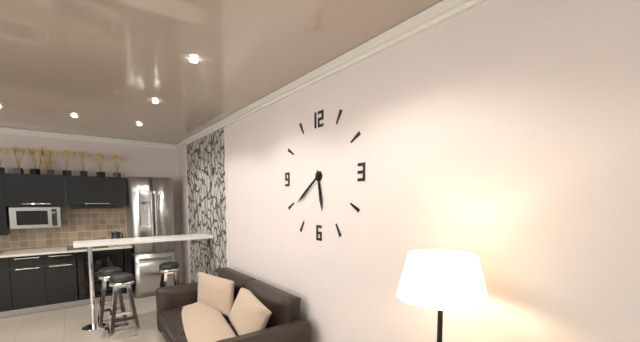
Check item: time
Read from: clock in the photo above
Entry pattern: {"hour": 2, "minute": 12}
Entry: {"hour": 5, "minute": 39}
